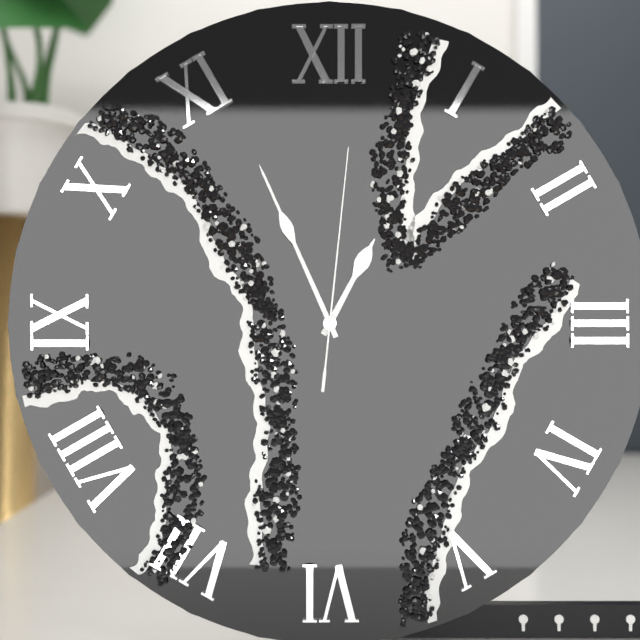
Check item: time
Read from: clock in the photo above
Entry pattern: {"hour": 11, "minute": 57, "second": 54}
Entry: {"hour": 12, "minute": 56, "second": 1}
